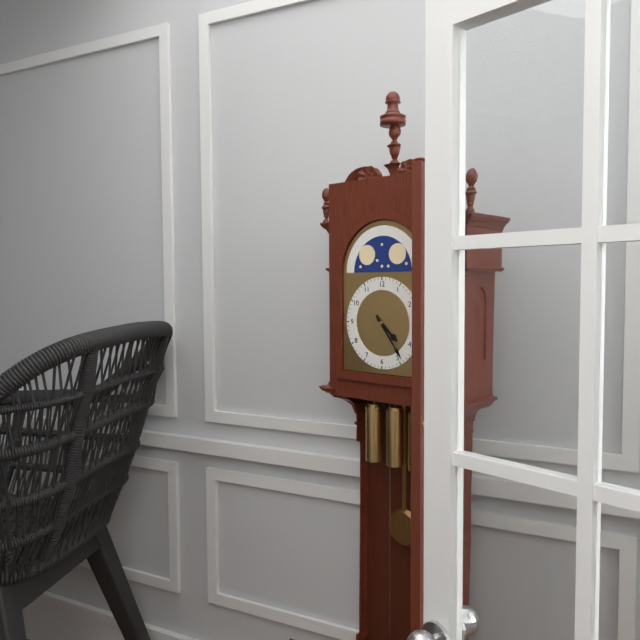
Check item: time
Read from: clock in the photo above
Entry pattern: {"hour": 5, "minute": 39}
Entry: {"hour": 4, "minute": 24}
